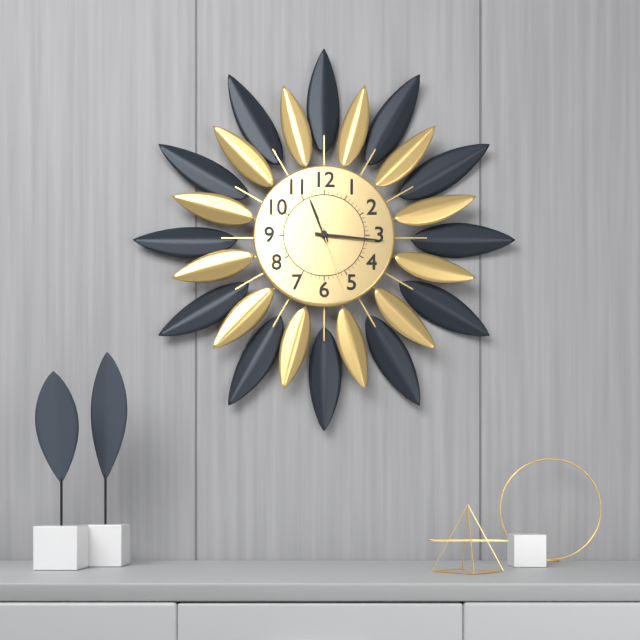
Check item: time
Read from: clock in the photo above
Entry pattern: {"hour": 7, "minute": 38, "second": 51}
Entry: {"hour": 11, "minute": 16, "second": 27}
